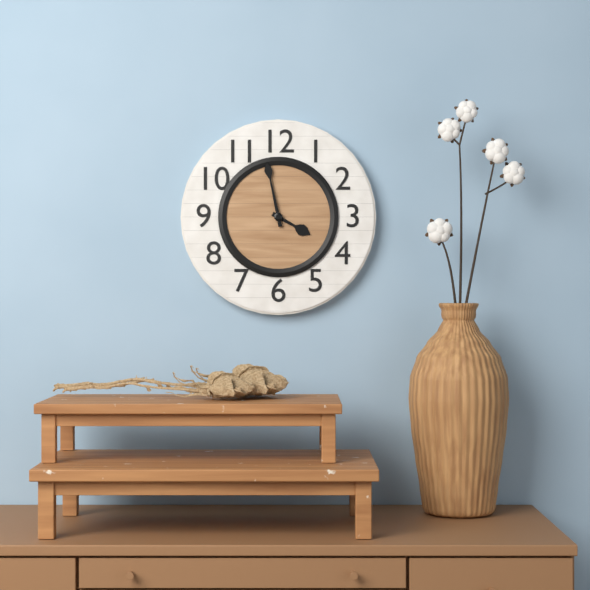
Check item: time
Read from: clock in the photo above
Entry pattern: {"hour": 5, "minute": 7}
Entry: {"hour": 3, "minute": 58}
